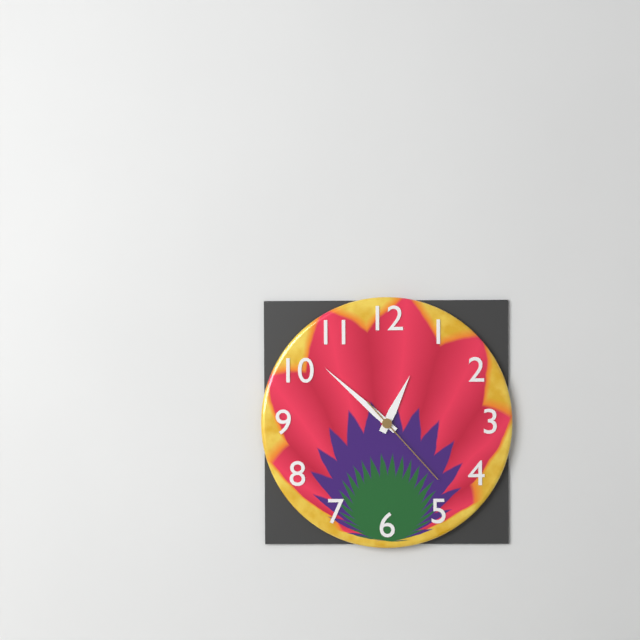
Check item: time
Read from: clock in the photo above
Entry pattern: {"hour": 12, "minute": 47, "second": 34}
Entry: {"hour": 12, "minute": 52, "second": 23}
